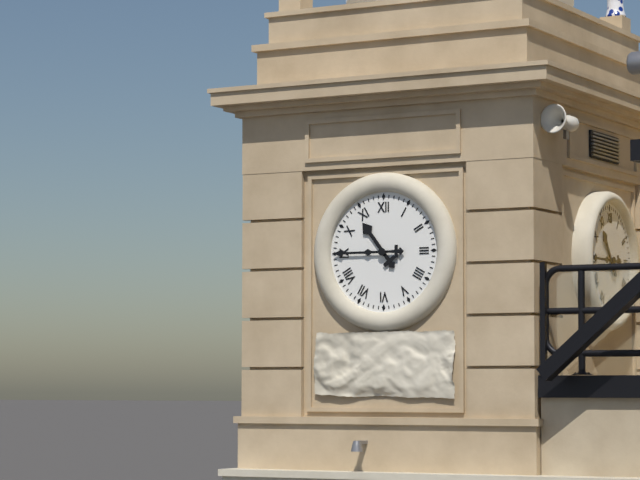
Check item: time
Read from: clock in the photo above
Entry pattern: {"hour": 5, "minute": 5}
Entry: {"hour": 10, "minute": 45}
